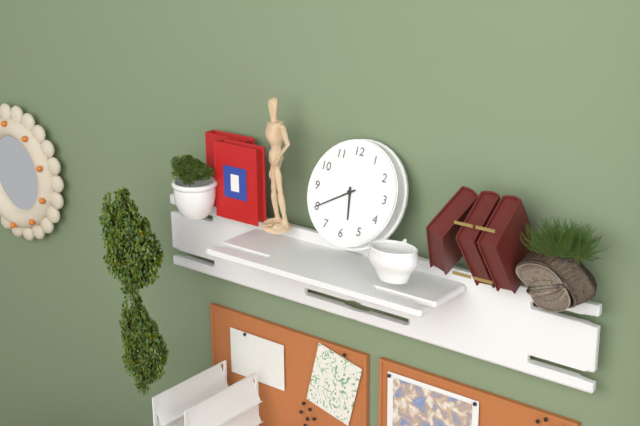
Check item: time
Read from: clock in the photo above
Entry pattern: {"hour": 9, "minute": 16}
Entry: {"hour": 5, "minute": 40}
